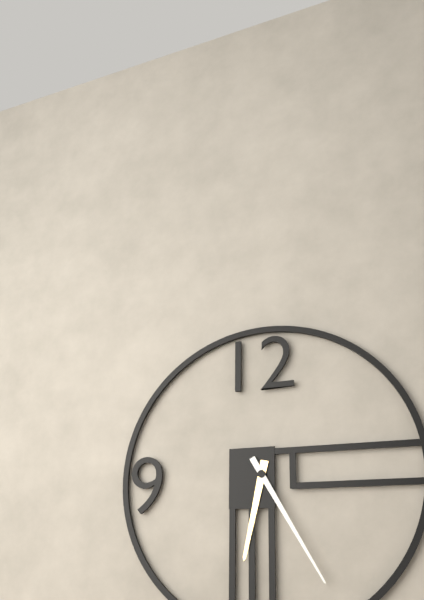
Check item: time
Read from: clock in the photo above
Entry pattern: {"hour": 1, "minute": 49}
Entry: {"hour": 6, "minute": 25}
